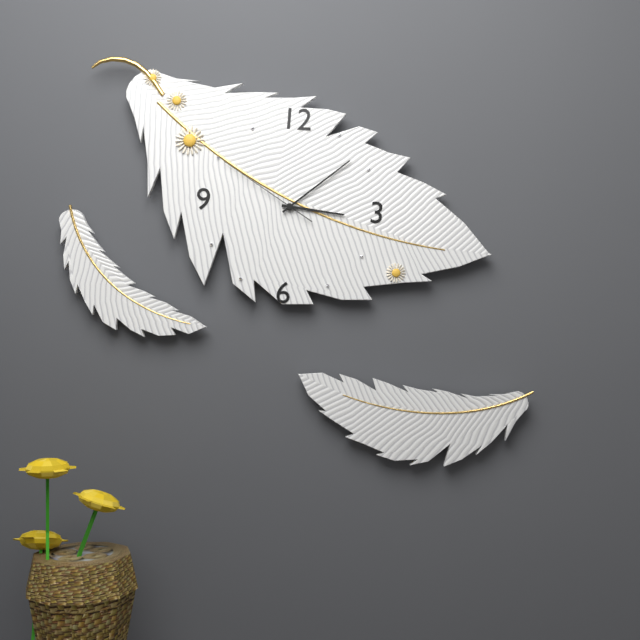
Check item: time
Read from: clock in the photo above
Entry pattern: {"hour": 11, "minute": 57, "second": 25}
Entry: {"hour": 3, "minute": 8, "second": 50}
